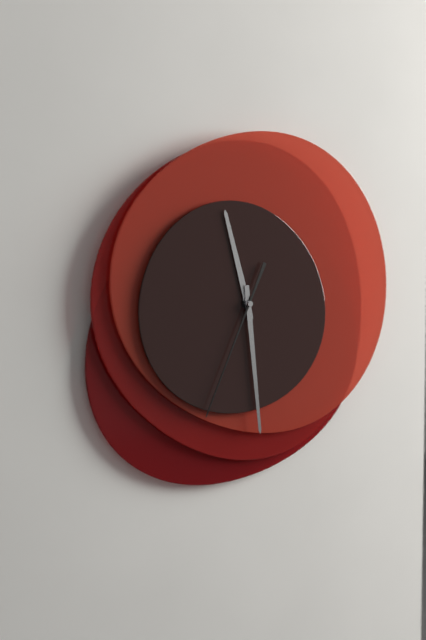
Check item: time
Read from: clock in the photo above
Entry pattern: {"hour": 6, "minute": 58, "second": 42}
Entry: {"hour": 11, "minute": 29, "second": 34}
